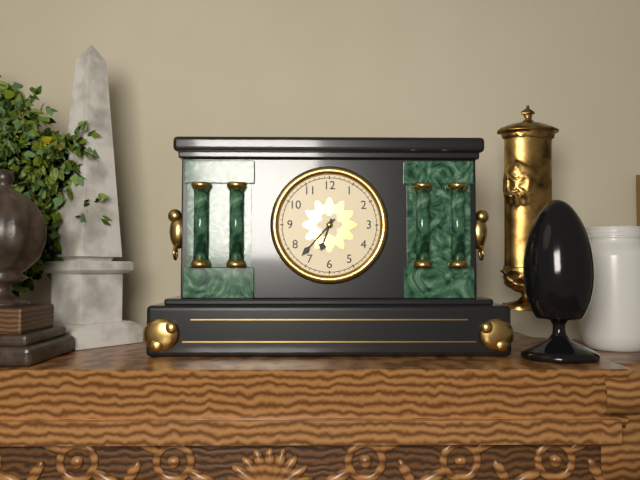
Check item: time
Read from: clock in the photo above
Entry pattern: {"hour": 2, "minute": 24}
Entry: {"hour": 6, "minute": 37}
